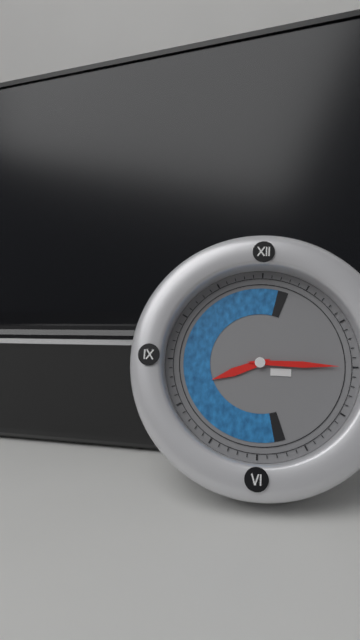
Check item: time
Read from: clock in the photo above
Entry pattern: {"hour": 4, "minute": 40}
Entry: {"hour": 8, "minute": 15}
